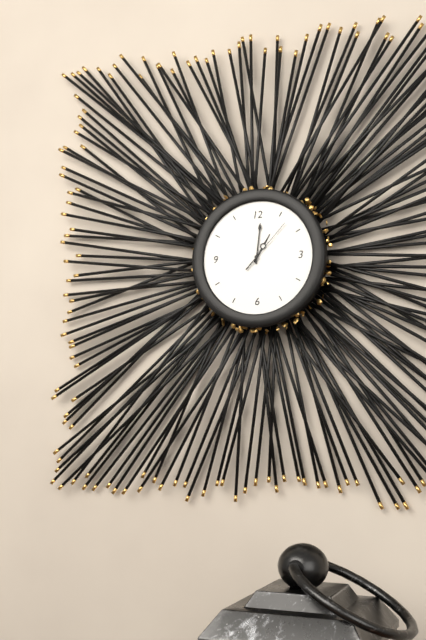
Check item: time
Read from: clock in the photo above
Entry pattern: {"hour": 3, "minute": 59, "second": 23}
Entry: {"hour": 1, "minute": 1, "second": 7}
